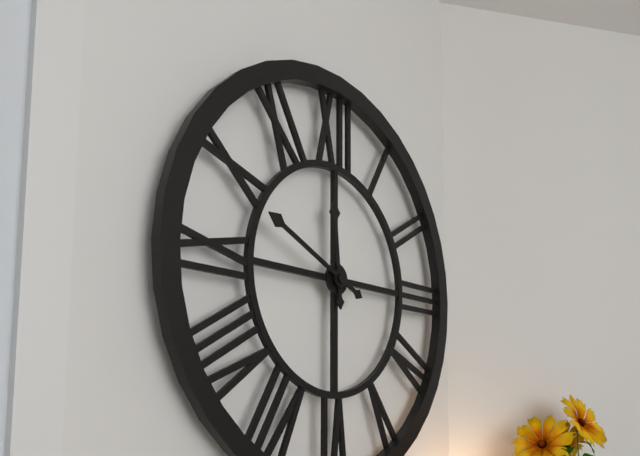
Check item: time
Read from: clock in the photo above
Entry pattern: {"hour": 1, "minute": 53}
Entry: {"hour": 11, "minute": 49}
